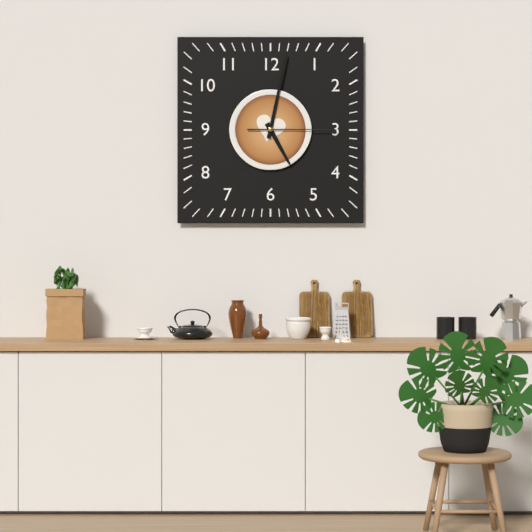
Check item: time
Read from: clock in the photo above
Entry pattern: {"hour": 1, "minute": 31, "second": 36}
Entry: {"hour": 5, "minute": 2, "second": 15}
